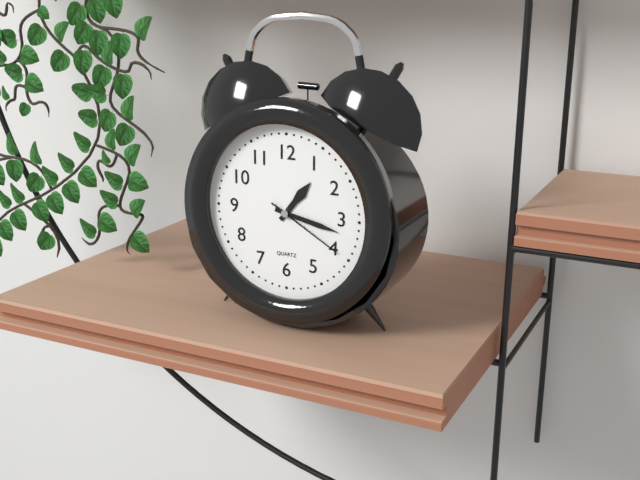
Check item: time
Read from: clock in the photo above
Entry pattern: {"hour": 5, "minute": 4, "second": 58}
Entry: {"hour": 1, "minute": 17, "second": 20}
